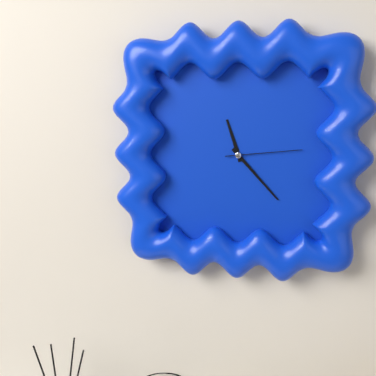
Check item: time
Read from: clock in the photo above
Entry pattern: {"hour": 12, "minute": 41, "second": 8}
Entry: {"hour": 11, "minute": 23, "second": 14}
